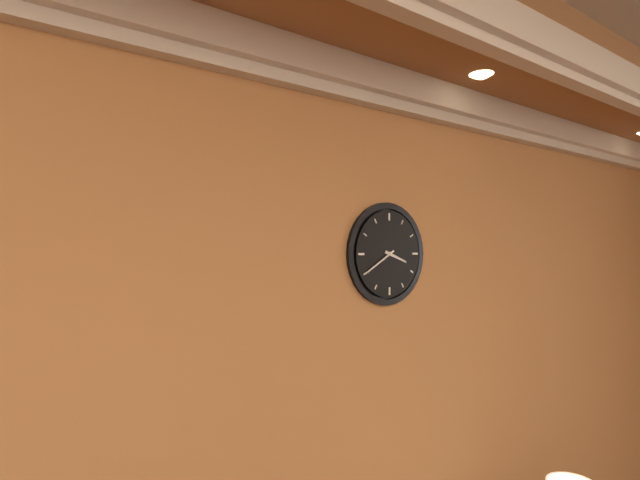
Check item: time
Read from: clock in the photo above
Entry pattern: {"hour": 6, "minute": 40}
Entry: {"hour": 3, "minute": 40}
